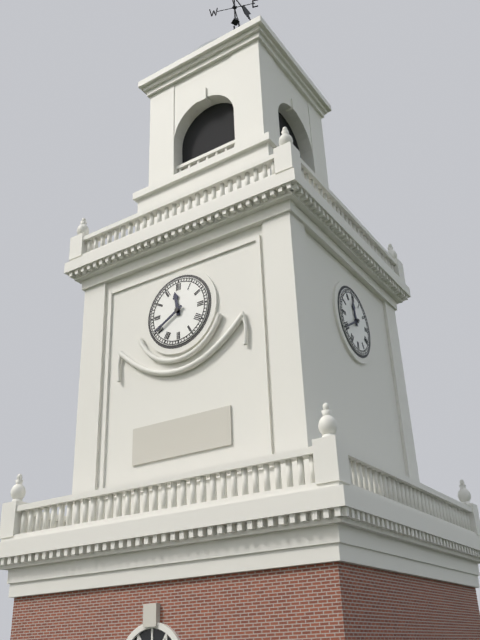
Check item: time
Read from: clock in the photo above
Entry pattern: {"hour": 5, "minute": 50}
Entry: {"hour": 11, "minute": 40}
